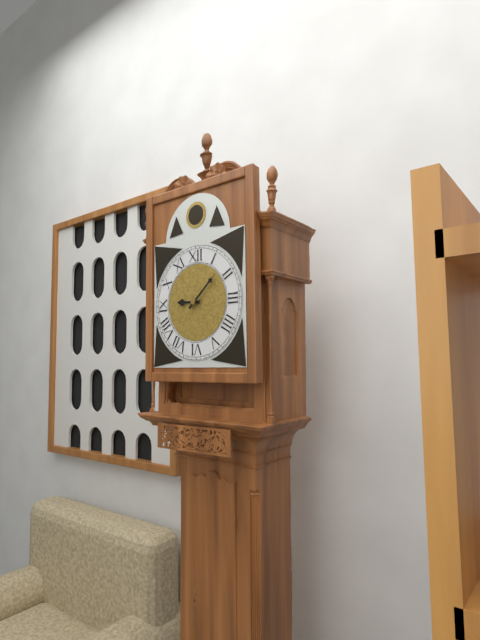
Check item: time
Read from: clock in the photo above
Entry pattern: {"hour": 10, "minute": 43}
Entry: {"hour": 9, "minute": 8}
